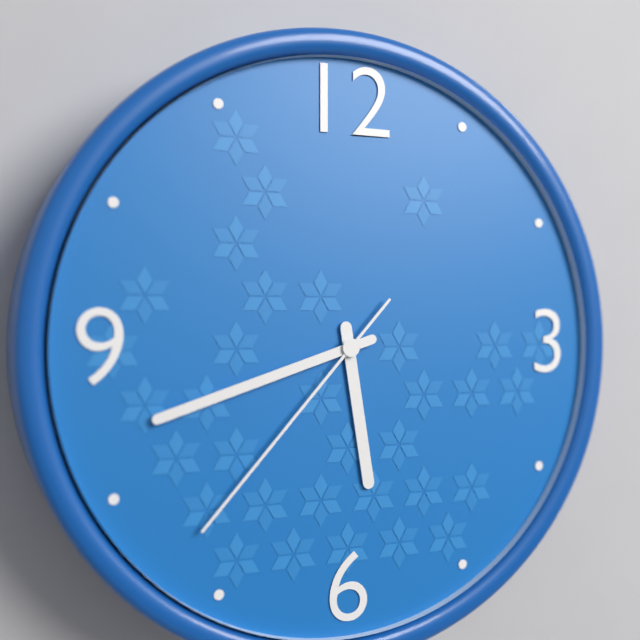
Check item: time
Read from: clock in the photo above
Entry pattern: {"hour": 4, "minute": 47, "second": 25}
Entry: {"hour": 5, "minute": 42, "second": 37}
